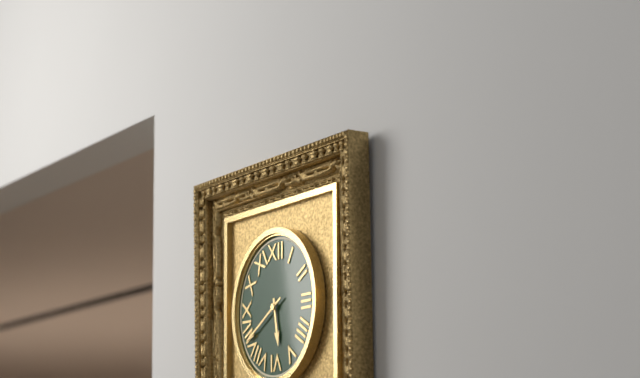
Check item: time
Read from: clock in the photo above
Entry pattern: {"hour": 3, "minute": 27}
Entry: {"hour": 5, "minute": 40}
